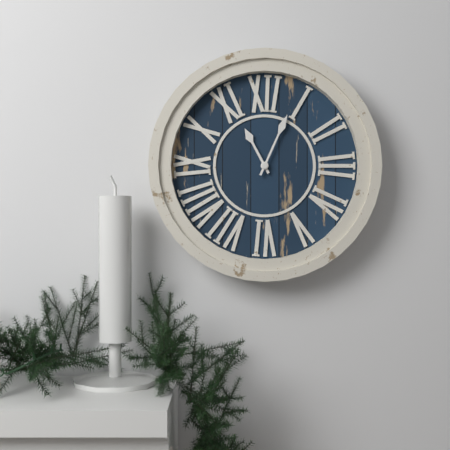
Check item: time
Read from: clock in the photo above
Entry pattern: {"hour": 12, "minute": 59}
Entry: {"hour": 11, "minute": 4}
